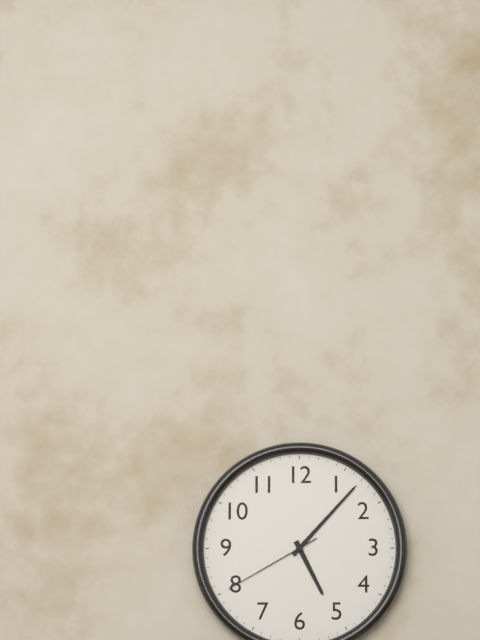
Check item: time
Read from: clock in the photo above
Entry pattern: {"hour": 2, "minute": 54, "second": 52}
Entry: {"hour": 5, "minute": 7, "second": 40}
